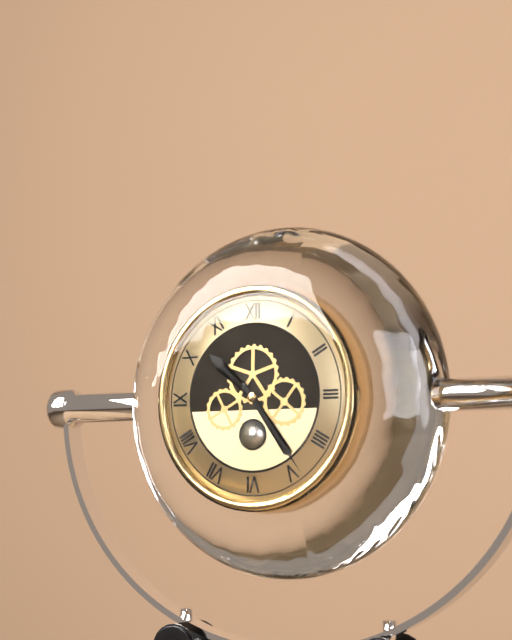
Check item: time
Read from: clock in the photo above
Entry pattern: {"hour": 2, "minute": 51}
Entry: {"hour": 10, "minute": 24}
